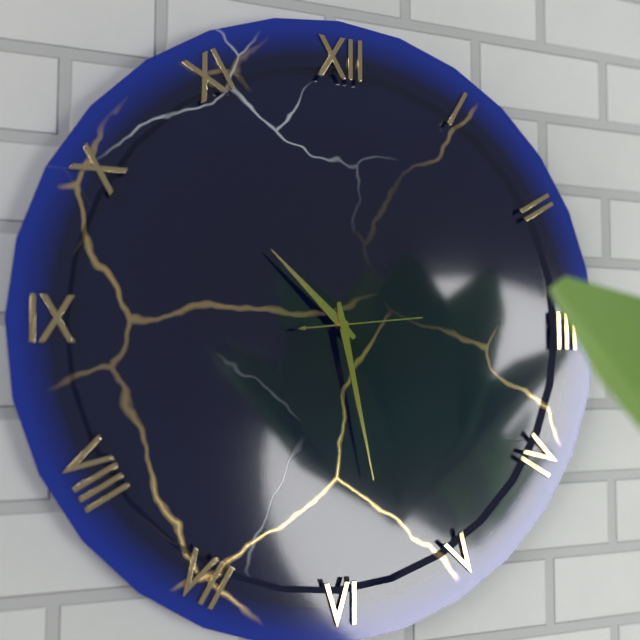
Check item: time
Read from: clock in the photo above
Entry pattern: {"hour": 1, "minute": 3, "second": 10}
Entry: {"hour": 10, "minute": 28, "second": 14}
